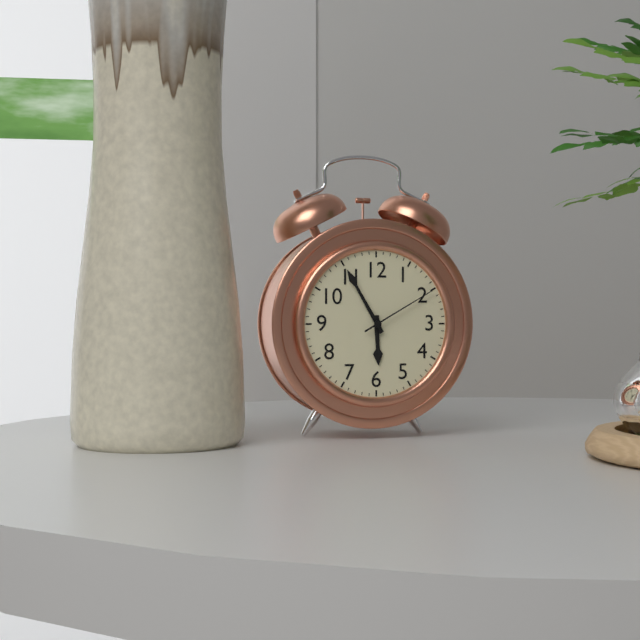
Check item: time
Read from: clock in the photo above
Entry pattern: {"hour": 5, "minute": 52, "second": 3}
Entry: {"hour": 5, "minute": 55, "second": 10}
